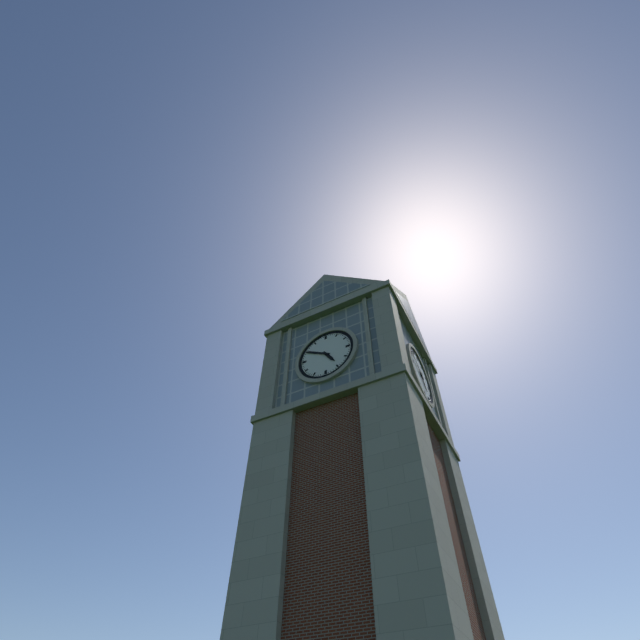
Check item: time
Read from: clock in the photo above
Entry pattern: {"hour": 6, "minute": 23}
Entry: {"hour": 4, "minute": 50}
